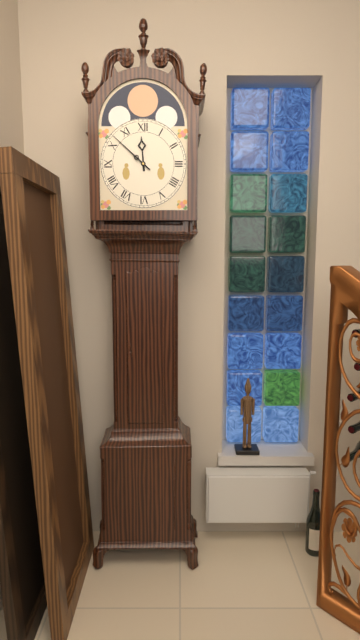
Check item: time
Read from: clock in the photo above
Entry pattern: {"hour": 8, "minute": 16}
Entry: {"hour": 11, "minute": 52}
